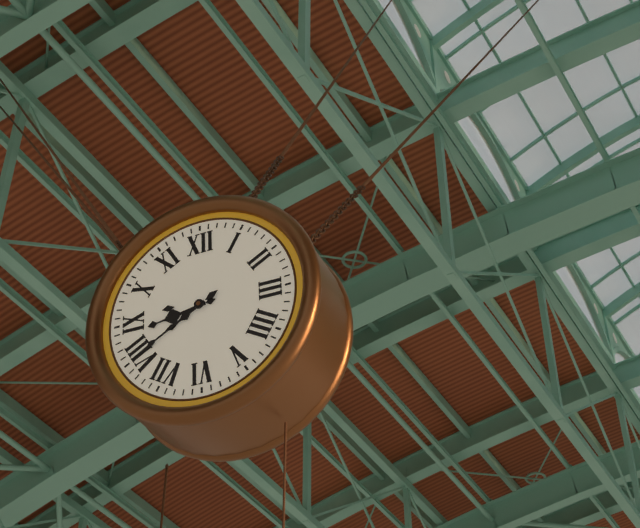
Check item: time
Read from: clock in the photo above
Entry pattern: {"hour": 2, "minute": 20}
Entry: {"hour": 8, "minute": 40}
